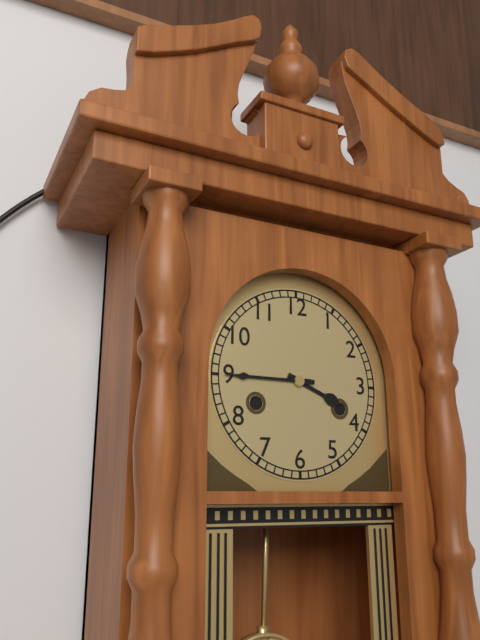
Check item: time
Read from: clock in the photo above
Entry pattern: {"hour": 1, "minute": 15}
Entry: {"hour": 3, "minute": 45}
